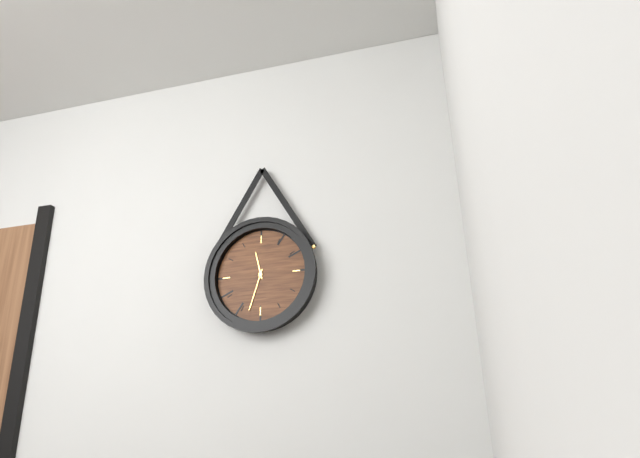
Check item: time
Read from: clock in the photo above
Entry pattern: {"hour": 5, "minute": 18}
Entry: {"hour": 11, "minute": 33}
